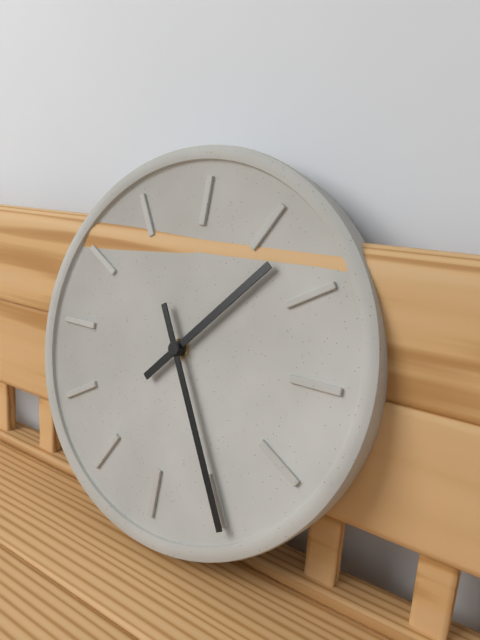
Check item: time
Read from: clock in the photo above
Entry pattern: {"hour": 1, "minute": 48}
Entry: {"hour": 1, "minute": 25}
